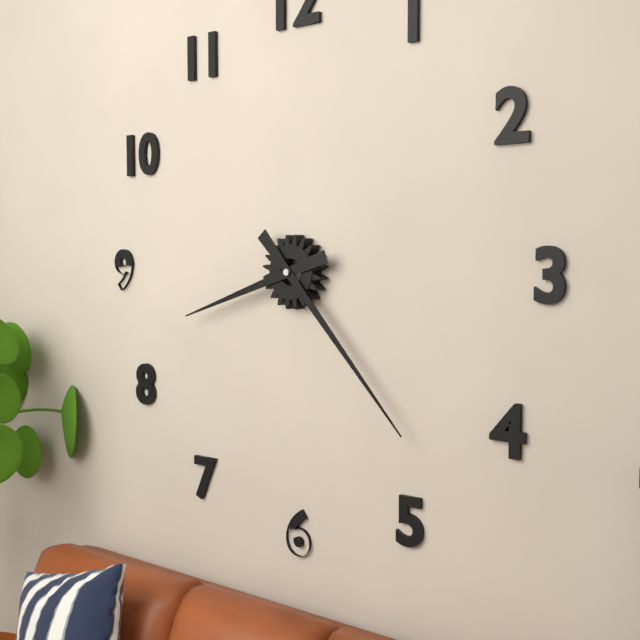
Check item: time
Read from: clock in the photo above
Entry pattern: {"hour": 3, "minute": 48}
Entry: {"hour": 8, "minute": 23}
